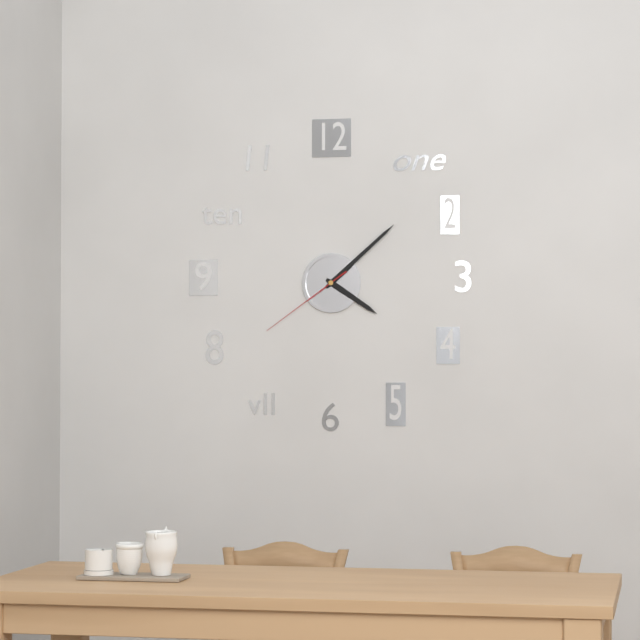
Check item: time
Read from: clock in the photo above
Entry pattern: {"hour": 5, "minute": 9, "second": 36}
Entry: {"hour": 4, "minute": 8, "second": 39}
